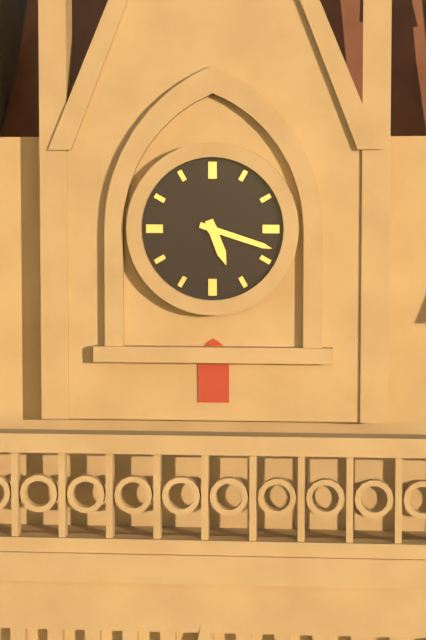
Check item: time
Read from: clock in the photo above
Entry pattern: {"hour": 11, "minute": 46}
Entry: {"hour": 5, "minute": 18}
